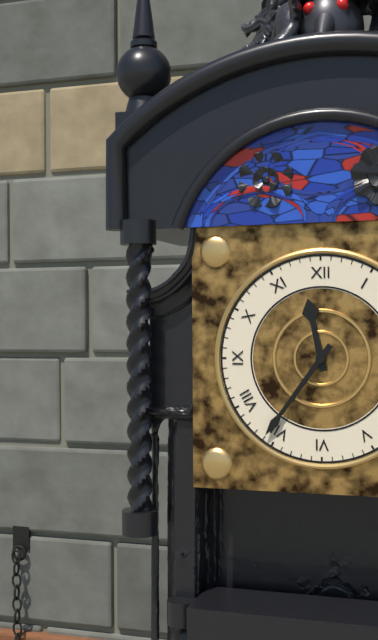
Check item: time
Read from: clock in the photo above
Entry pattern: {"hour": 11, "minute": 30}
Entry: {"hour": 11, "minute": 36}
